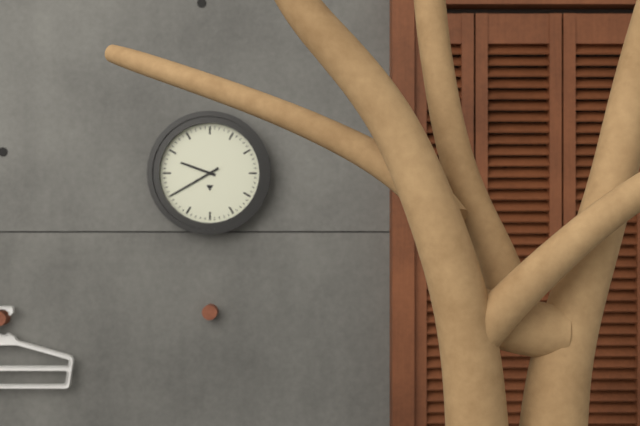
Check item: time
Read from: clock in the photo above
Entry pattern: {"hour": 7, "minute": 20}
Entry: {"hour": 9, "minute": 40}
